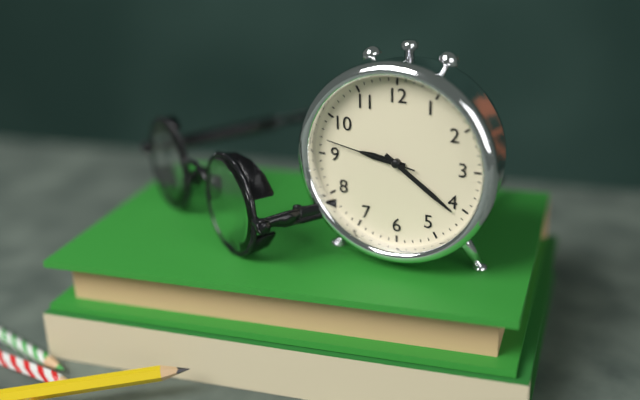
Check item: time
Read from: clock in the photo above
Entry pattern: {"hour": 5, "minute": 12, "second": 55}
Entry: {"hour": 9, "minute": 21, "second": 47}
